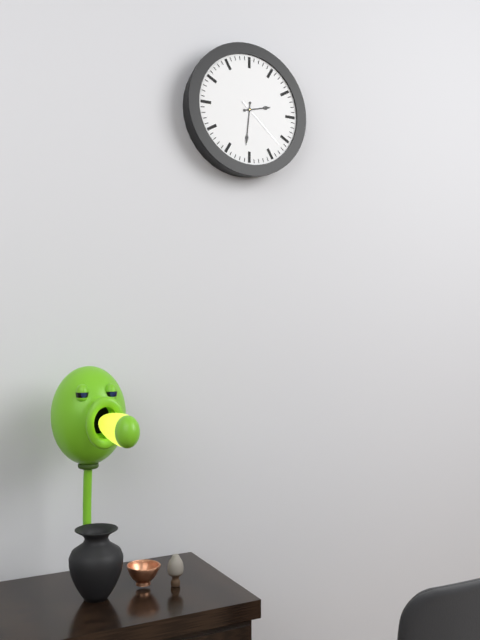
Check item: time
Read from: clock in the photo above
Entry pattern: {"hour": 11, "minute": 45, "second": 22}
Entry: {"hour": 2, "minute": 31, "second": 22}
